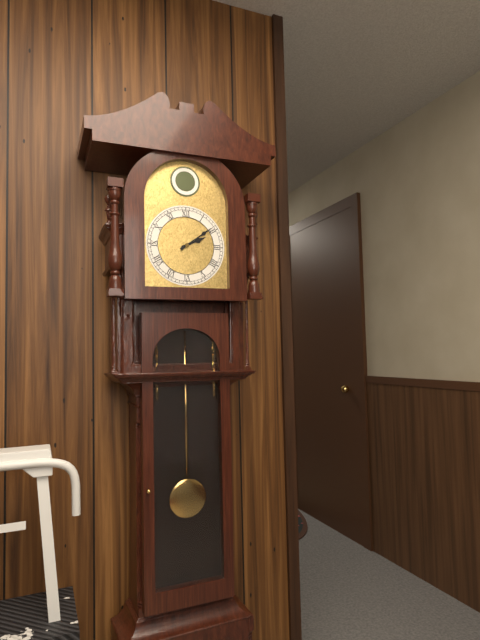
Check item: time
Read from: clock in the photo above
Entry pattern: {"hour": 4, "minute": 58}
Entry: {"hour": 2, "minute": 9}
